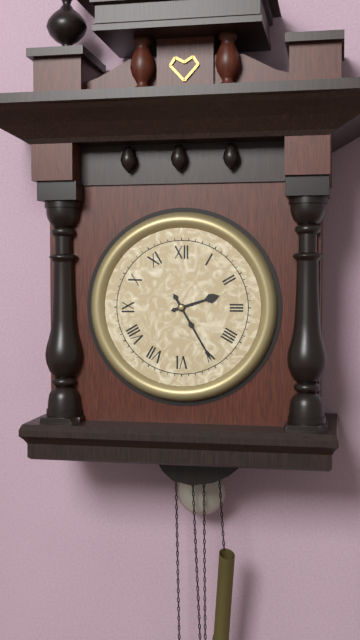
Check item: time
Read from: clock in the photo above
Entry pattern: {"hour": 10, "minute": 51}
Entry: {"hour": 2, "minute": 25}
